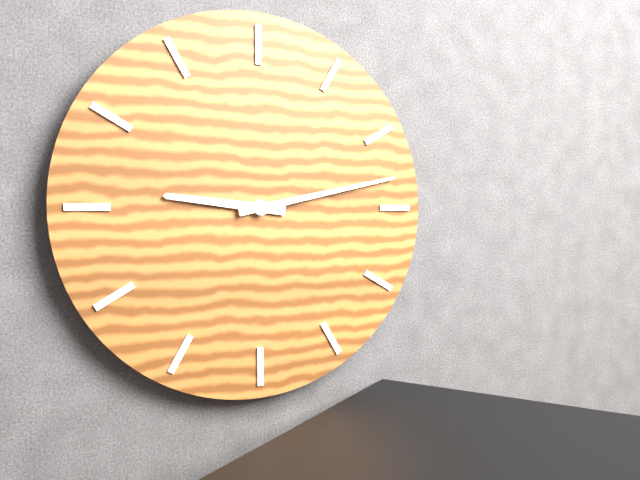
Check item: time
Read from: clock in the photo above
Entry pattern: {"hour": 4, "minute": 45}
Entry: {"hour": 9, "minute": 13}
